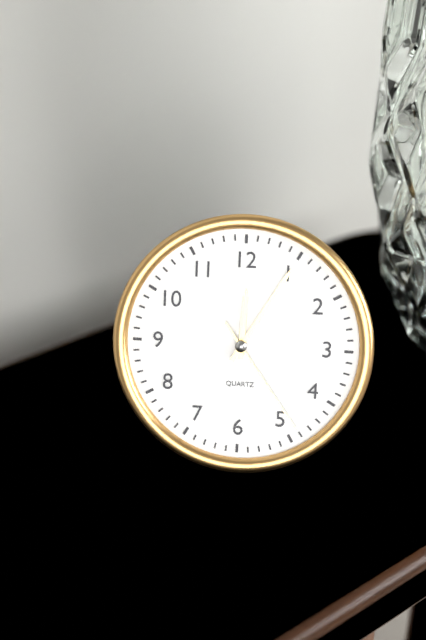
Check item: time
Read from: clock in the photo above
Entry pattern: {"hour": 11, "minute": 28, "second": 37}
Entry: {"hour": 12, "minute": 5, "second": 24}
